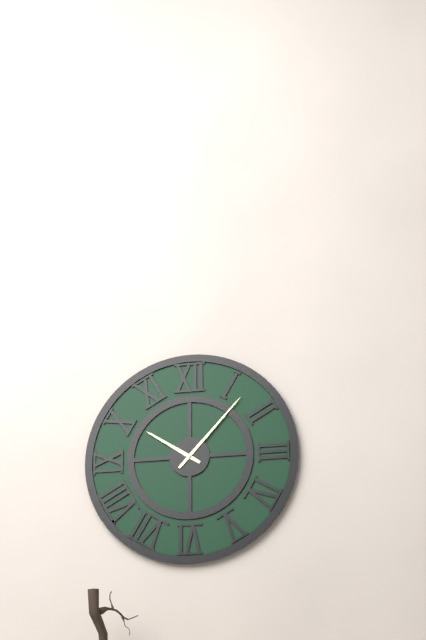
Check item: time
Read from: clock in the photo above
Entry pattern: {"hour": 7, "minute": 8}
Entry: {"hour": 10, "minute": 7}
